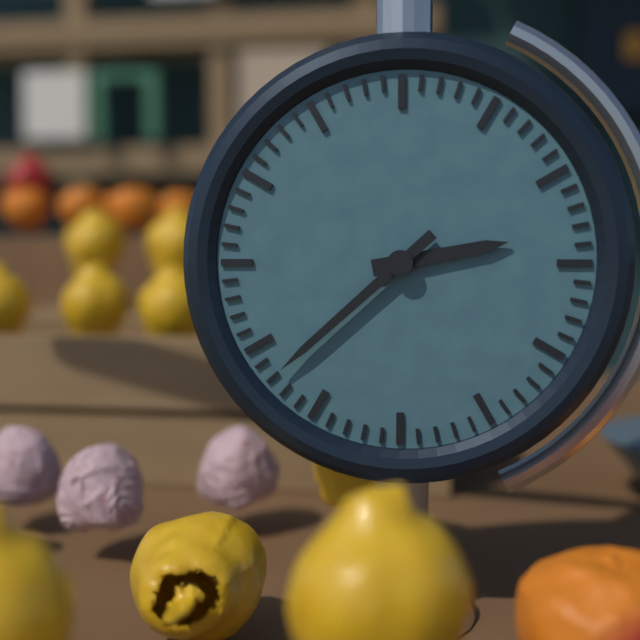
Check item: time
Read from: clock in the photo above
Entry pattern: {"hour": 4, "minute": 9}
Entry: {"hour": 2, "minute": 38}
